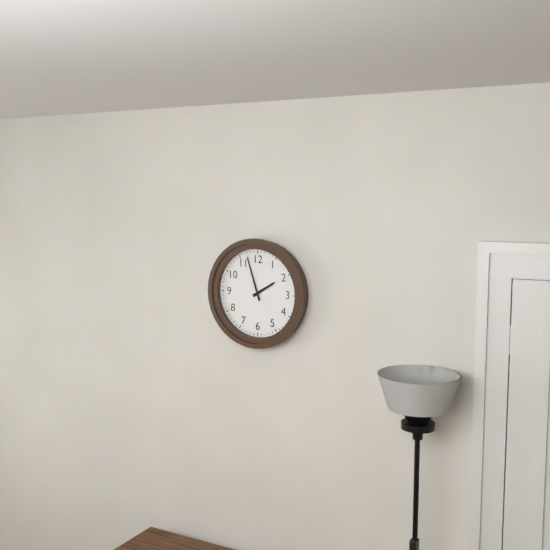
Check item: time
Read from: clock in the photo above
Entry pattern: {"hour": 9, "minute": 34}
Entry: {"hour": 1, "minute": 57}
